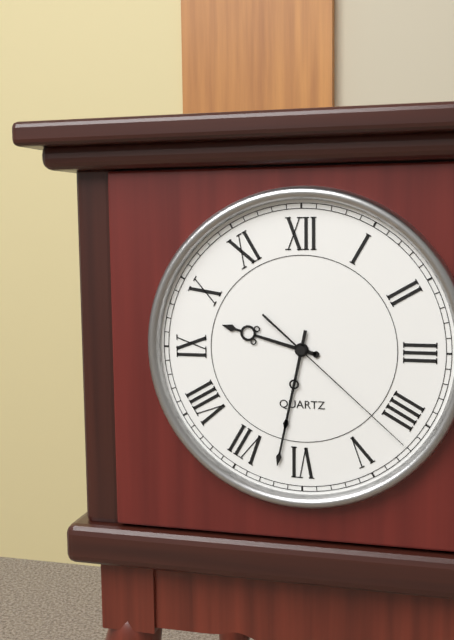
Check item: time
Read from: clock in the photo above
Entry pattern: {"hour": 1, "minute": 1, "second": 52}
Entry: {"hour": 9, "minute": 32, "second": 22}
